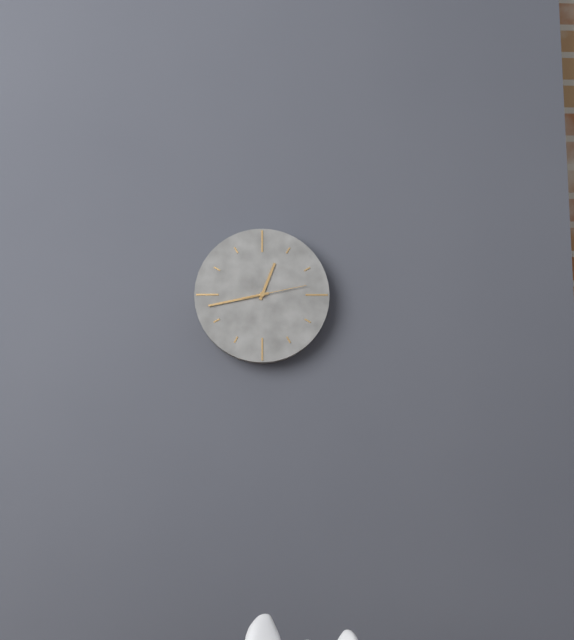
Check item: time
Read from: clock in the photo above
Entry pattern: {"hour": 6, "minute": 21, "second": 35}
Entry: {"hour": 12, "minute": 43, "second": 13}
